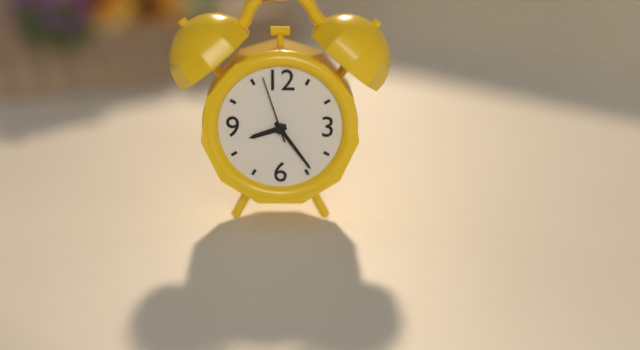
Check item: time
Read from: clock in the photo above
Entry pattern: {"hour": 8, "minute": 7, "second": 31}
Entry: {"hour": 8, "minute": 24, "second": 57}
